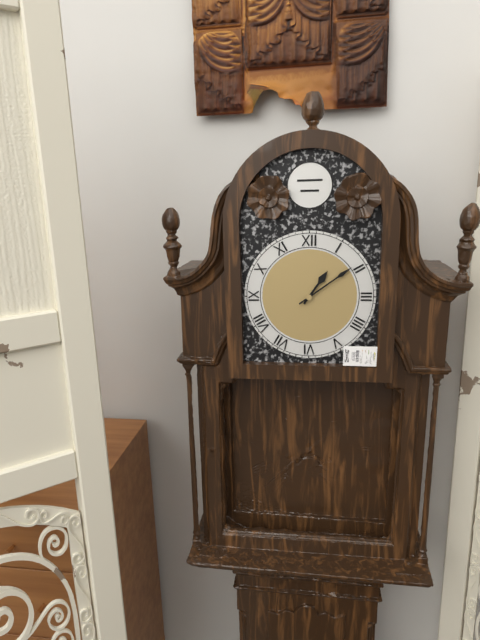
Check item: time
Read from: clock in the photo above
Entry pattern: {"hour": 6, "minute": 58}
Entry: {"hour": 1, "minute": 9}
